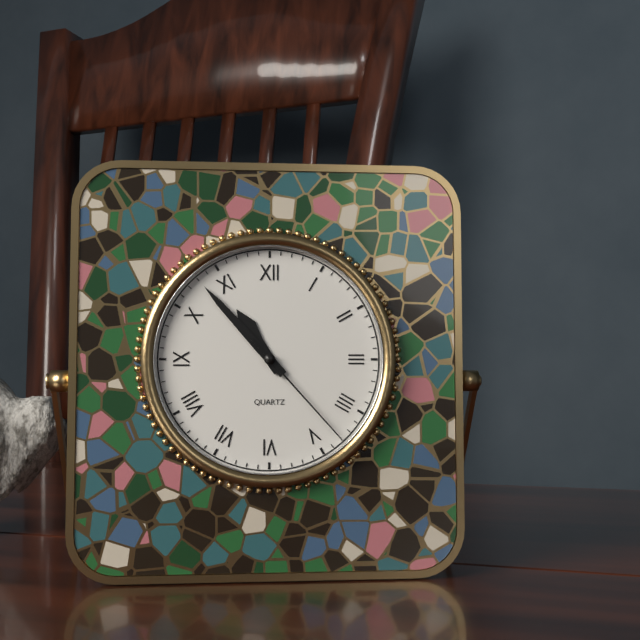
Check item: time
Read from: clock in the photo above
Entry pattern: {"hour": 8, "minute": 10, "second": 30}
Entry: {"hour": 10, "minute": 53, "second": 23}
